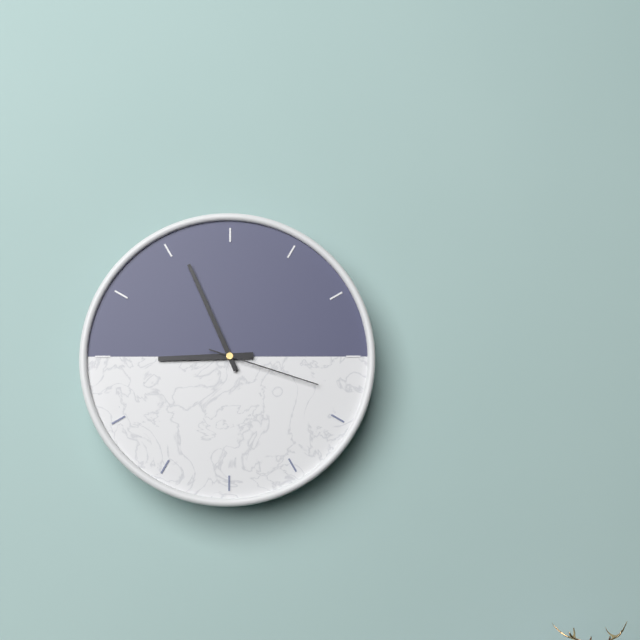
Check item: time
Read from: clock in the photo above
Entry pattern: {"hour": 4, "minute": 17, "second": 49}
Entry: {"hour": 8, "minute": 56, "second": 18}
